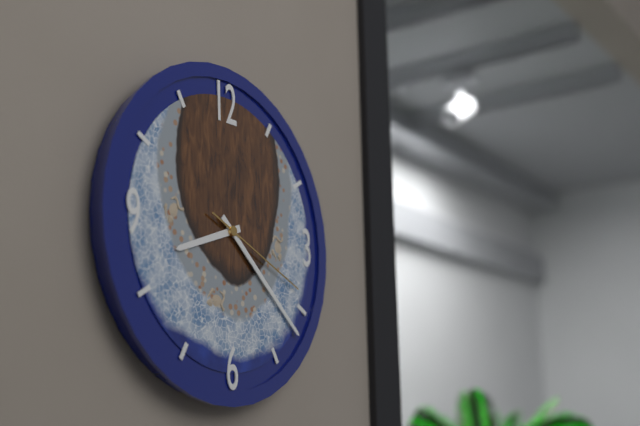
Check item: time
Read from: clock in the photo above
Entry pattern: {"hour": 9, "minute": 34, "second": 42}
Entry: {"hour": 8, "minute": 22, "second": 19}
